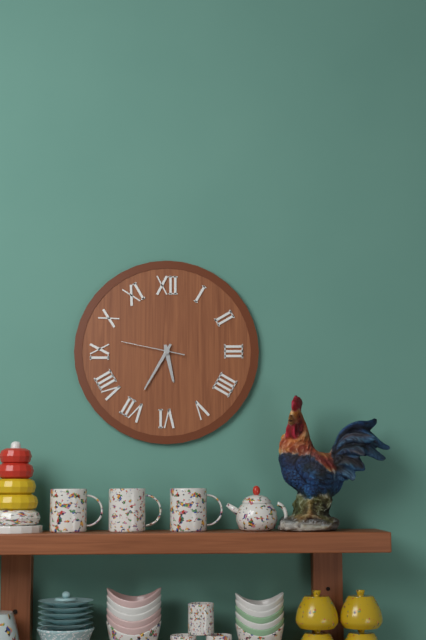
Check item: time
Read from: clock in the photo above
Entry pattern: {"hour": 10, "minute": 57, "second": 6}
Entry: {"hour": 5, "minute": 35, "second": 47}
